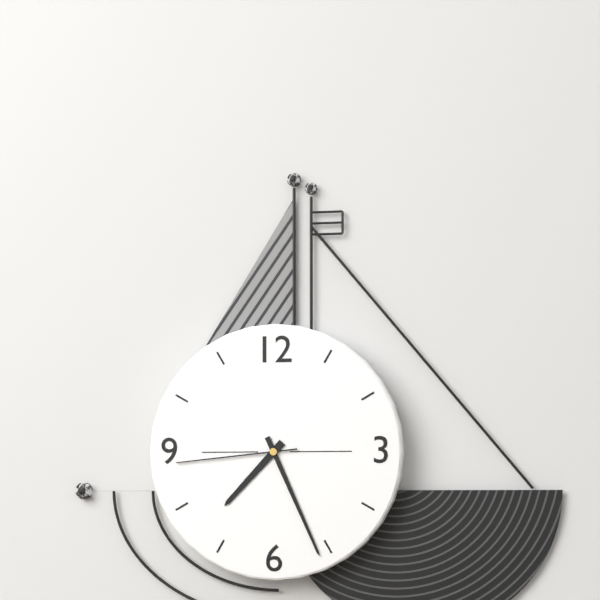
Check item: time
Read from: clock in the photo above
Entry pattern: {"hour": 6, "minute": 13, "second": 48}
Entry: {"hour": 7, "minute": 26, "second": 44}
